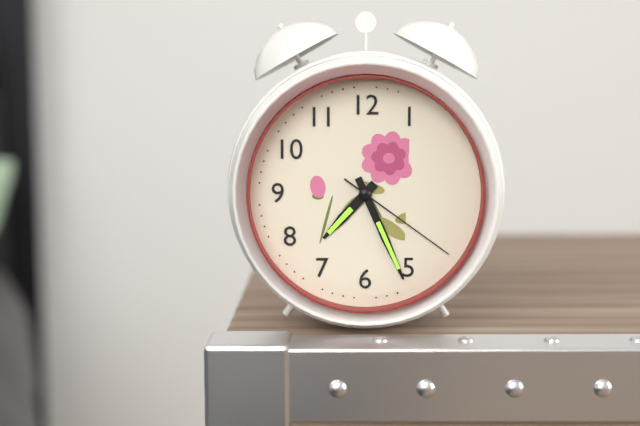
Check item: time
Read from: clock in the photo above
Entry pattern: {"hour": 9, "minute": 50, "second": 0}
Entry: {"hour": 7, "minute": 26, "second": 21}
